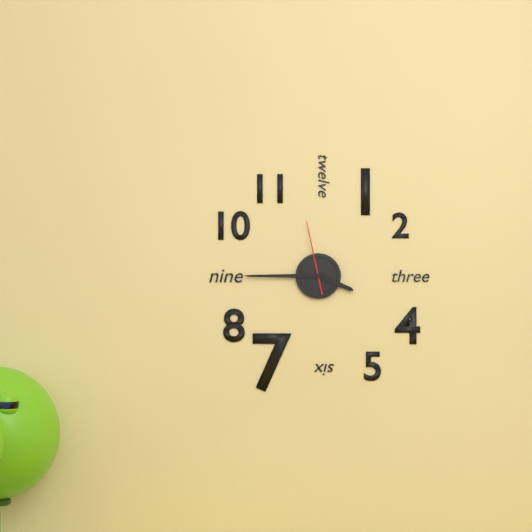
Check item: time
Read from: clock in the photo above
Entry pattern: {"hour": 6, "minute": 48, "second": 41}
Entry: {"hour": 3, "minute": 45, "second": 58}
